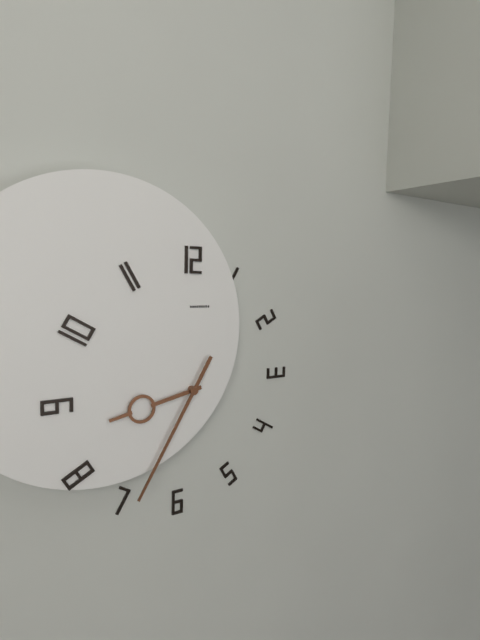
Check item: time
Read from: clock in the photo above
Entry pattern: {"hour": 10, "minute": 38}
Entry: {"hour": 8, "minute": 35}
